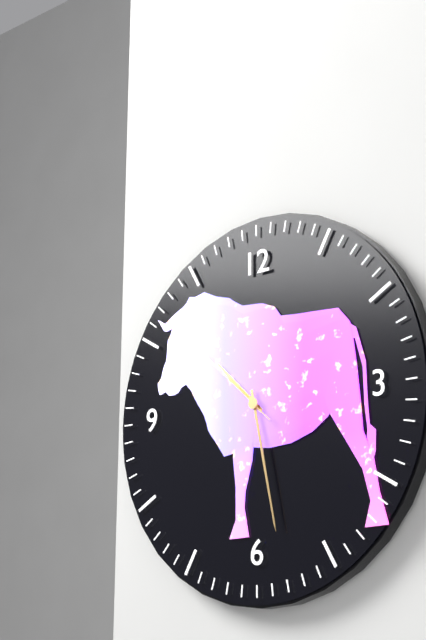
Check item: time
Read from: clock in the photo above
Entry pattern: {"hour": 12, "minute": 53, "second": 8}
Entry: {"hour": 10, "minute": 28, "second": 52}
